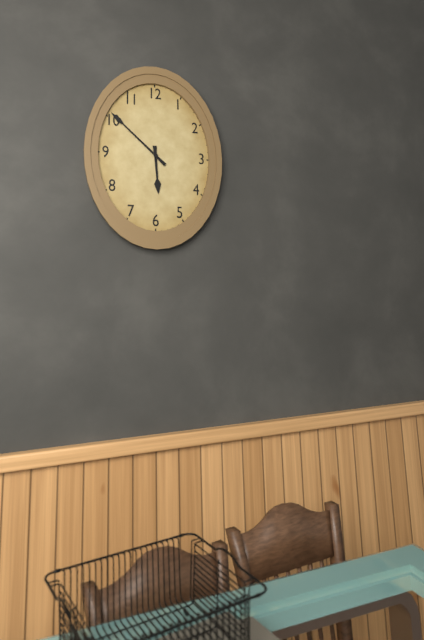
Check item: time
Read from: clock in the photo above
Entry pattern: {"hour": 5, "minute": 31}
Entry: {"hour": 5, "minute": 52}
